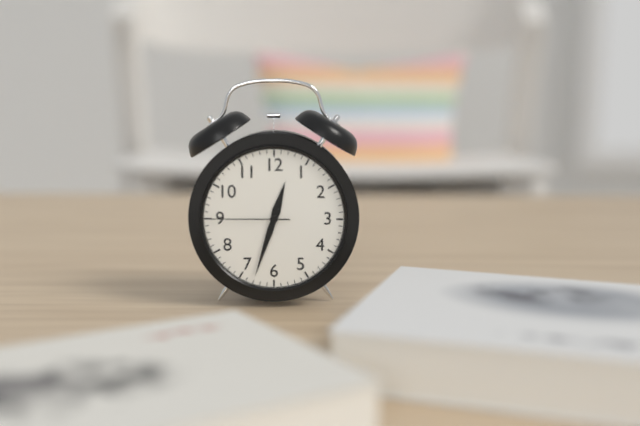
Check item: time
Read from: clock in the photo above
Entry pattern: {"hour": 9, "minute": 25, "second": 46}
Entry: {"hour": 12, "minute": 33, "second": 45}
